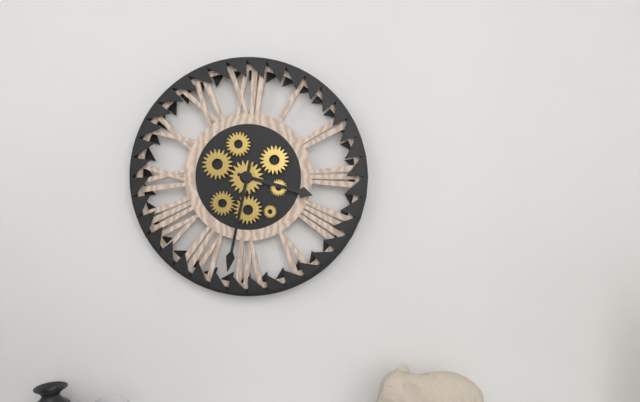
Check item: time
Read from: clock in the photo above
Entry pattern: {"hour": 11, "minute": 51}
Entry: {"hour": 3, "minute": 32}
